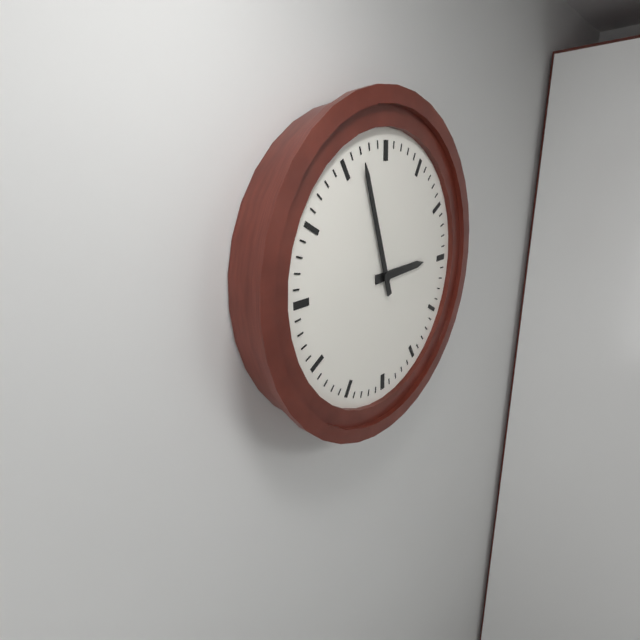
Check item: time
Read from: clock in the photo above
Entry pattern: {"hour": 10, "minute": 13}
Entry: {"hour": 2, "minute": 57}
